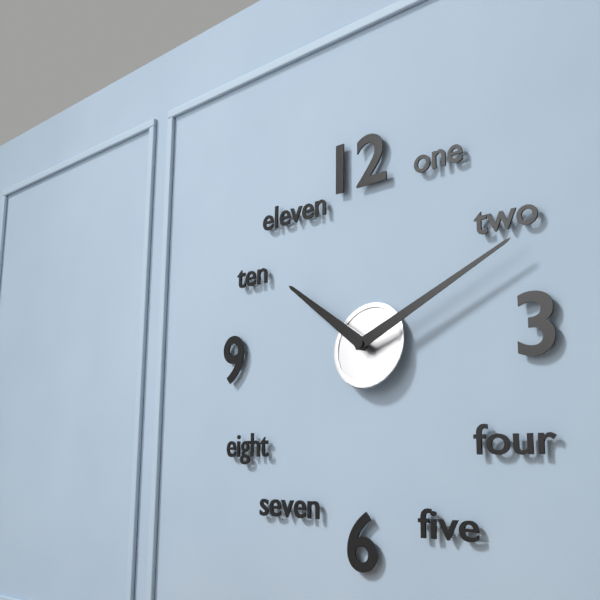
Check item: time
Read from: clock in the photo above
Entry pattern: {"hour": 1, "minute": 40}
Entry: {"hour": 10, "minute": 11}
